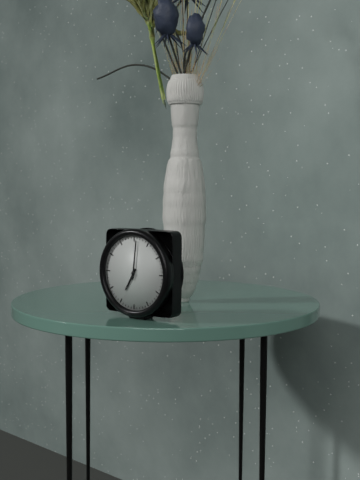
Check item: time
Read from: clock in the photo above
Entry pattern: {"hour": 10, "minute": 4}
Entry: {"hour": 7, "minute": 1}
